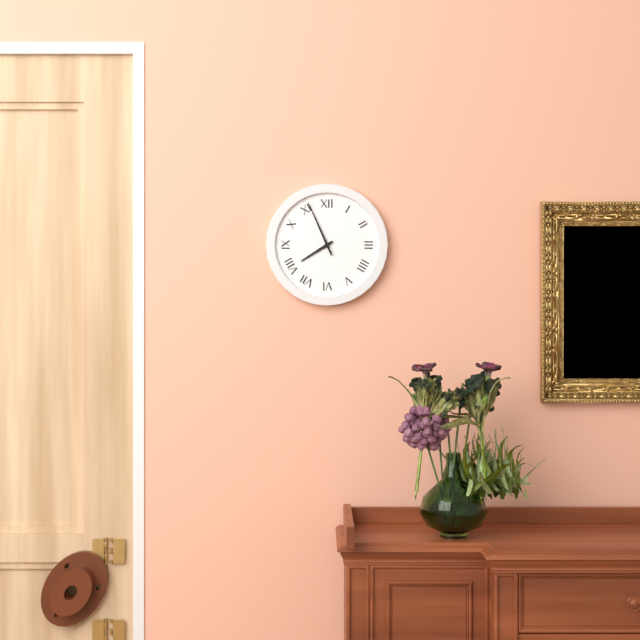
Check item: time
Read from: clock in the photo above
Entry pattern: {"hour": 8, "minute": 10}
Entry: {"hour": 7, "minute": 56}
